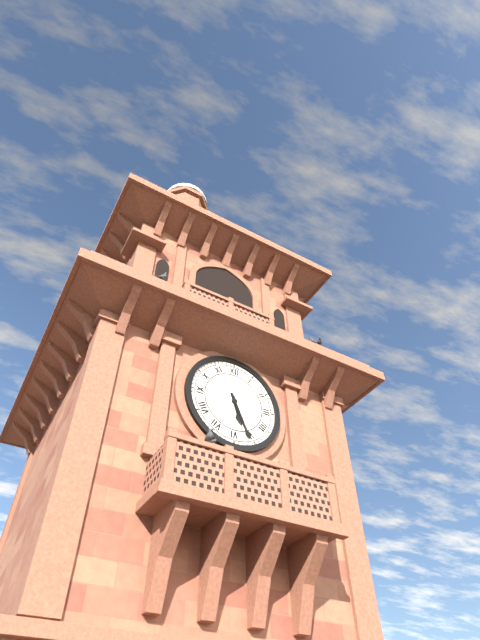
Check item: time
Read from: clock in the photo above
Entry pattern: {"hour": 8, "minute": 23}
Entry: {"hour": 5, "minute": 26}
